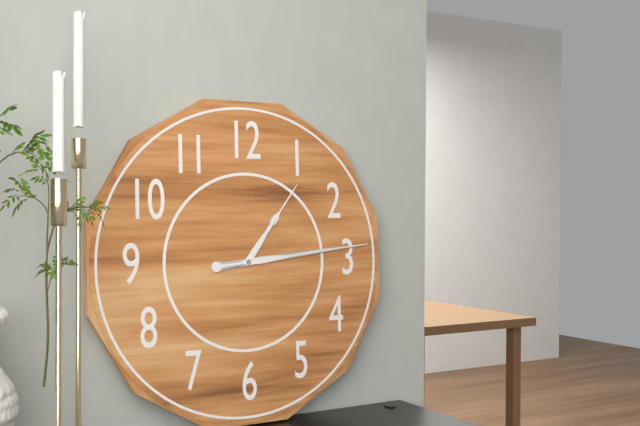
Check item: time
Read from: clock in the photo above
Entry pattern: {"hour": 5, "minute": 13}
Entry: {"hour": 1, "minute": 14}
